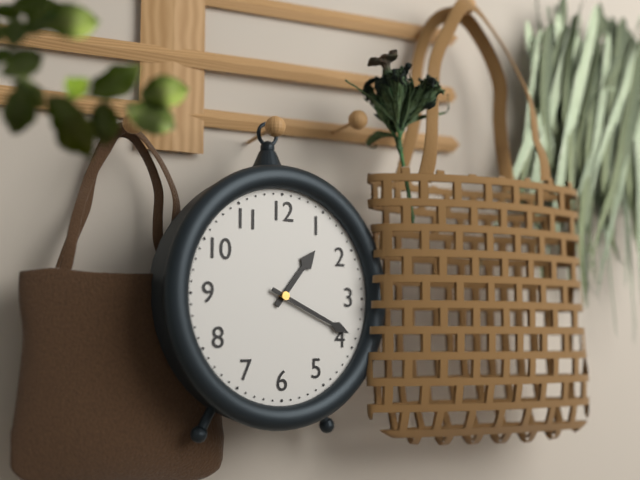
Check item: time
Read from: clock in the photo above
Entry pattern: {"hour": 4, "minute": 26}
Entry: {"hour": 1, "minute": 19}
